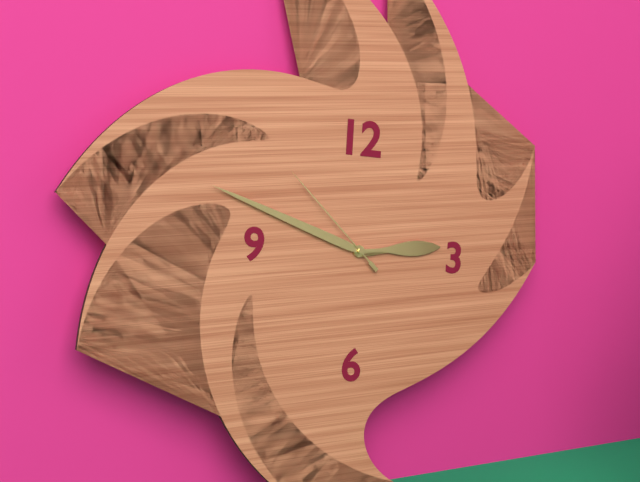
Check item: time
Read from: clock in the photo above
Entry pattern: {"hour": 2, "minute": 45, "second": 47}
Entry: {"hour": 2, "minute": 48, "second": 52}
